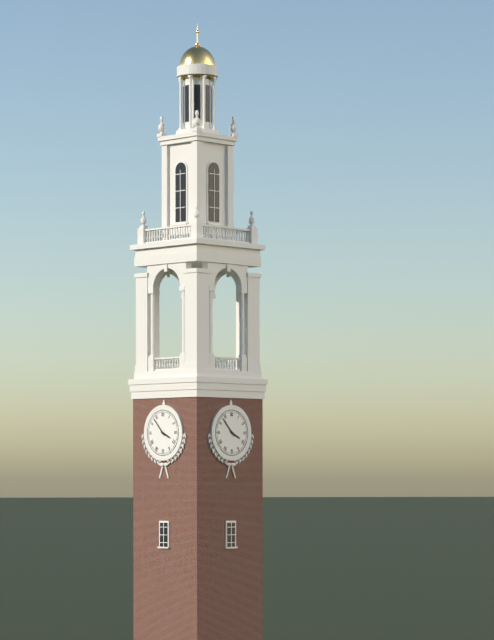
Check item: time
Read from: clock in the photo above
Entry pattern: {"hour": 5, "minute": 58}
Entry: {"hour": 3, "minute": 53}
